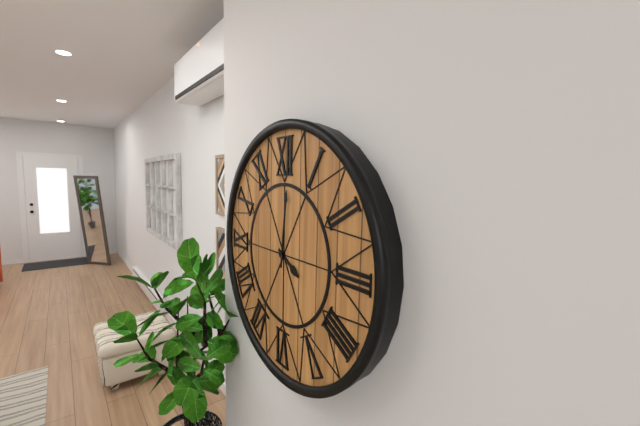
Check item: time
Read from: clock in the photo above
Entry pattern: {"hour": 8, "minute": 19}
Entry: {"hour": 4, "minute": 1}
